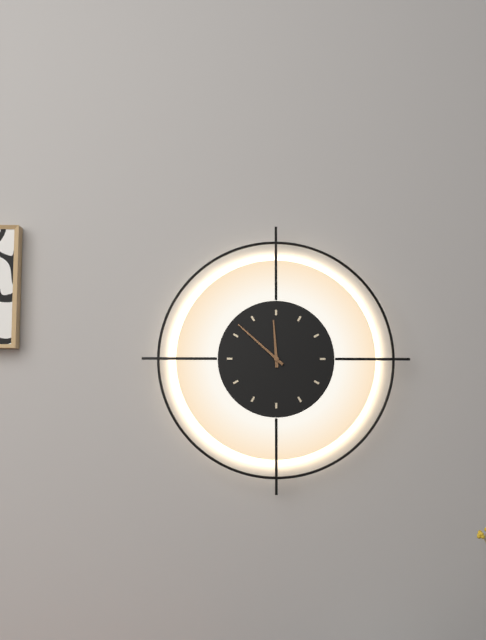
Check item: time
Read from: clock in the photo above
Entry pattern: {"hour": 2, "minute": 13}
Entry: {"hour": 11, "minute": 52}
